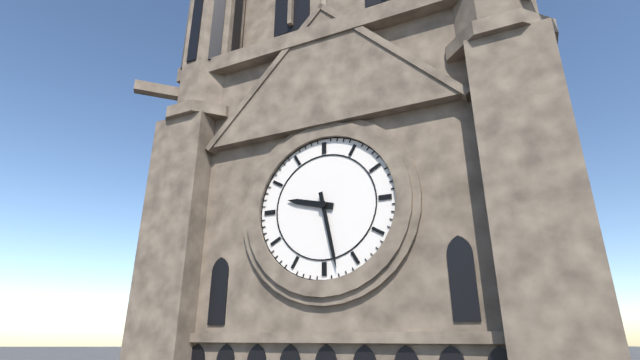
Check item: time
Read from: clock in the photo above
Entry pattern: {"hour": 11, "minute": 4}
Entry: {"hour": 9, "minute": 28}
